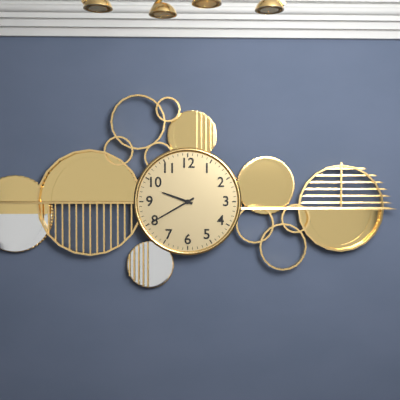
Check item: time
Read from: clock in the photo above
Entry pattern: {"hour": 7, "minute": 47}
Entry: {"hour": 9, "minute": 40}
